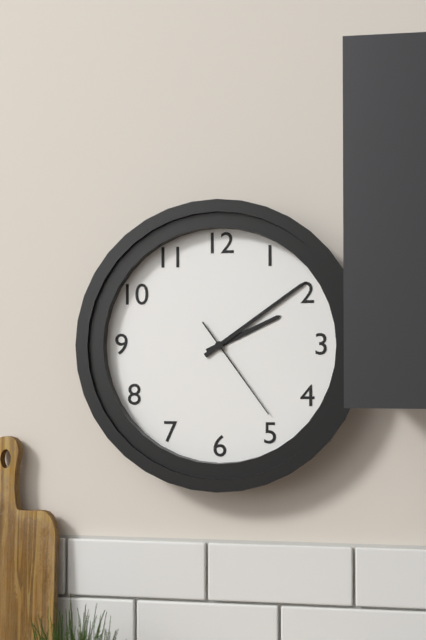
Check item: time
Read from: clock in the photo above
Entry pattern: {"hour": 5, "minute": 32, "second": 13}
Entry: {"hour": 2, "minute": 9, "second": 24}
